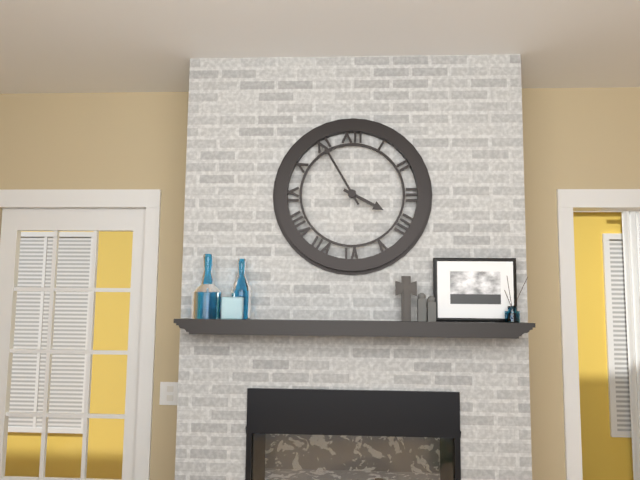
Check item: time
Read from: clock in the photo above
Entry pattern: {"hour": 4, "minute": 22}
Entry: {"hour": 3, "minute": 55}
